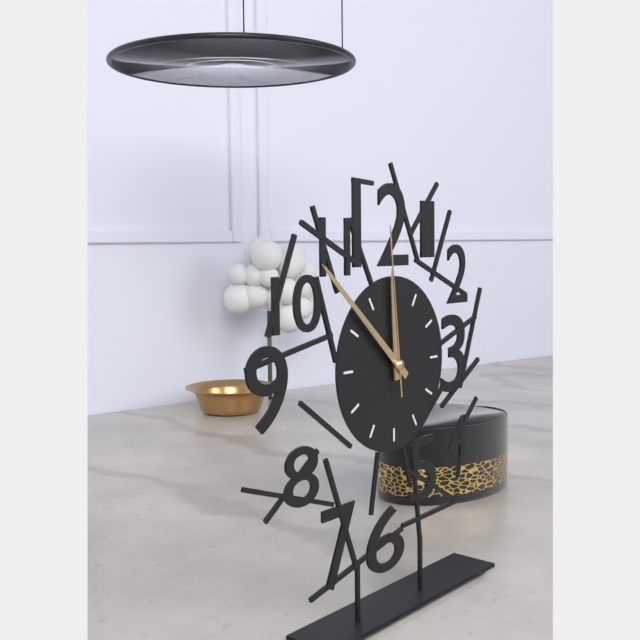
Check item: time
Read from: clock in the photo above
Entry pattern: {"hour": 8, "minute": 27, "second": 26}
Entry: {"hour": 11, "minute": 52, "second": 59}
